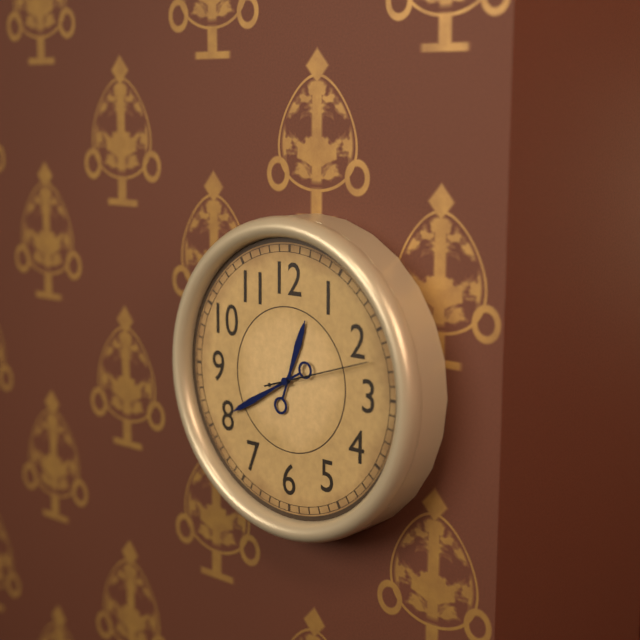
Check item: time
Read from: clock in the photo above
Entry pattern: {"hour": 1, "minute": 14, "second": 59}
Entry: {"hour": 12, "minute": 40, "second": 12}
